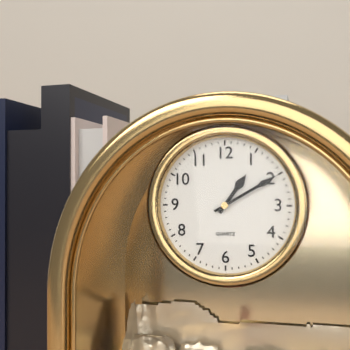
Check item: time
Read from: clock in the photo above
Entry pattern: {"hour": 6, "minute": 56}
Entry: {"hour": 1, "minute": 10}
